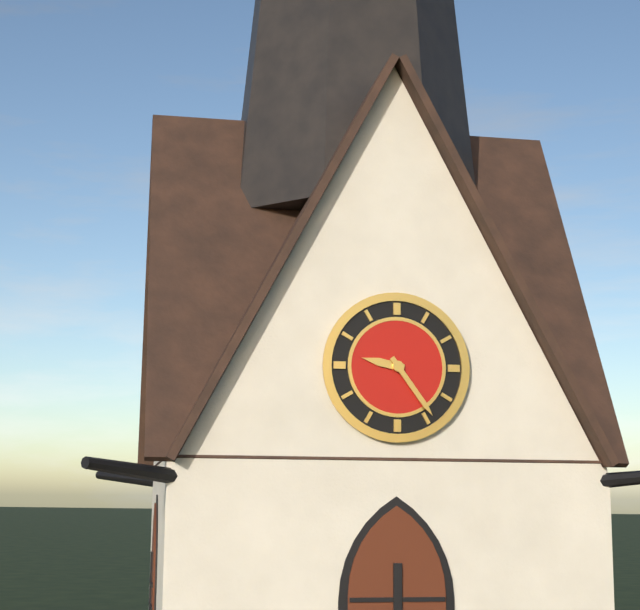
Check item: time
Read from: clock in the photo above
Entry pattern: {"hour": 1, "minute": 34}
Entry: {"hour": 9, "minute": 24}
